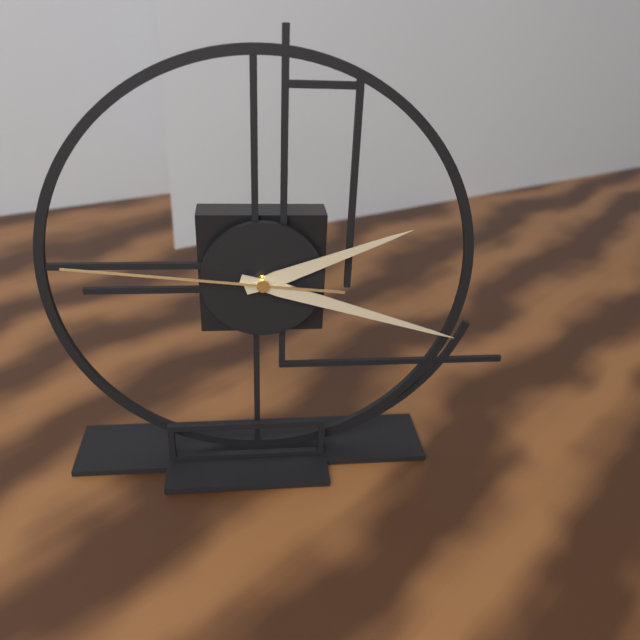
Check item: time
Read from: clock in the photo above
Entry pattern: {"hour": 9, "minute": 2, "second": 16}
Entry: {"hour": 2, "minute": 18, "second": 46}
